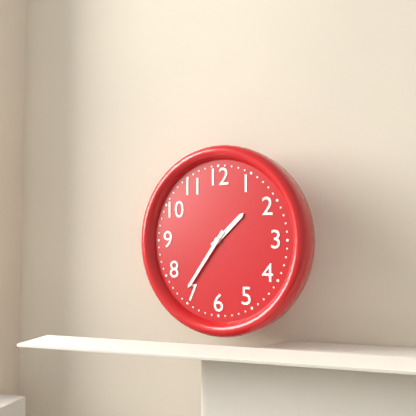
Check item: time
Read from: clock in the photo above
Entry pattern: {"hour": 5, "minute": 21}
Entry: {"hour": 1, "minute": 36}
